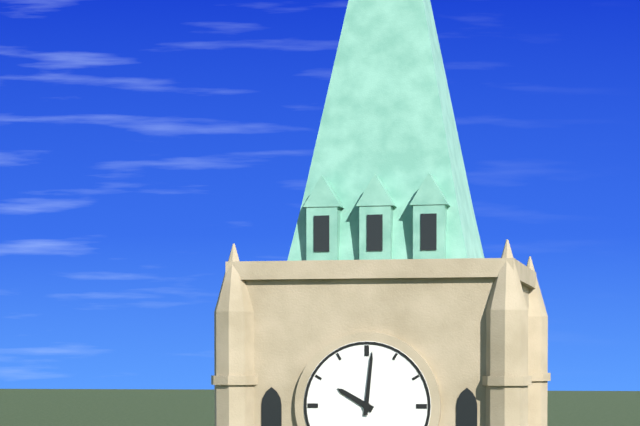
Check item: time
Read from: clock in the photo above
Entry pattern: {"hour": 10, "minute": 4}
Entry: {"hour": 10, "minute": 1}
